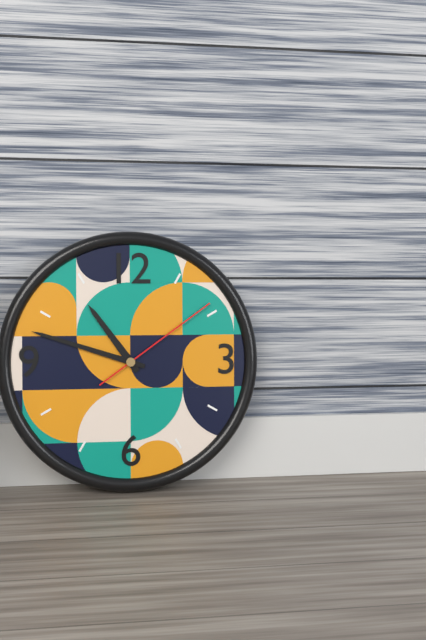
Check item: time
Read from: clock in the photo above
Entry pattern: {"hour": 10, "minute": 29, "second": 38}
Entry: {"hour": 10, "minute": 48, "second": 9}
